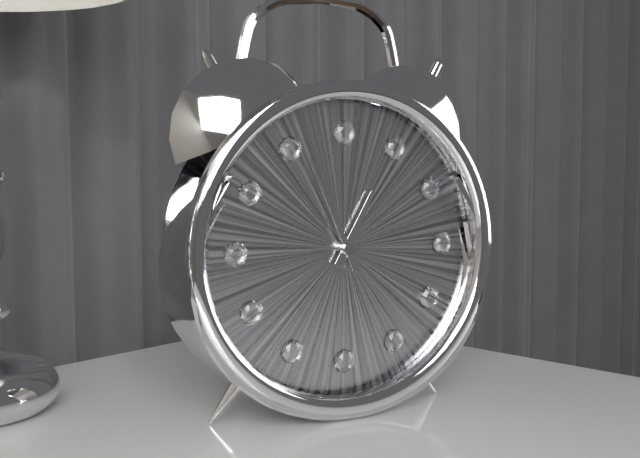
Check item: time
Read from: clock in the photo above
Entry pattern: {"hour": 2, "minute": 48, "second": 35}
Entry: {"hour": 12, "minute": 56, "second": 46}
